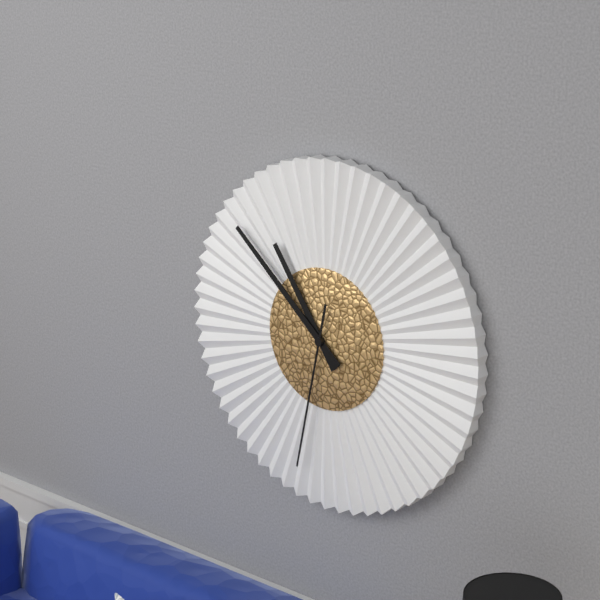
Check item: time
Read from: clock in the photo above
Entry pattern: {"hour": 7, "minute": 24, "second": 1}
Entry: {"hour": 10, "minute": 52, "second": 32}
